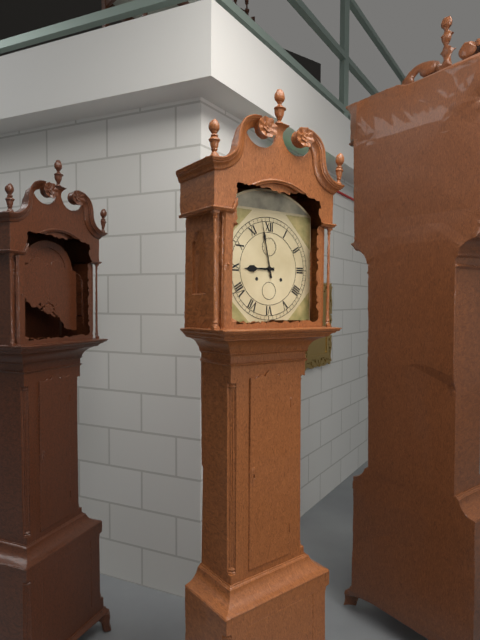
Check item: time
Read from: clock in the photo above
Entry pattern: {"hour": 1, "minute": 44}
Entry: {"hour": 8, "minute": 58}
